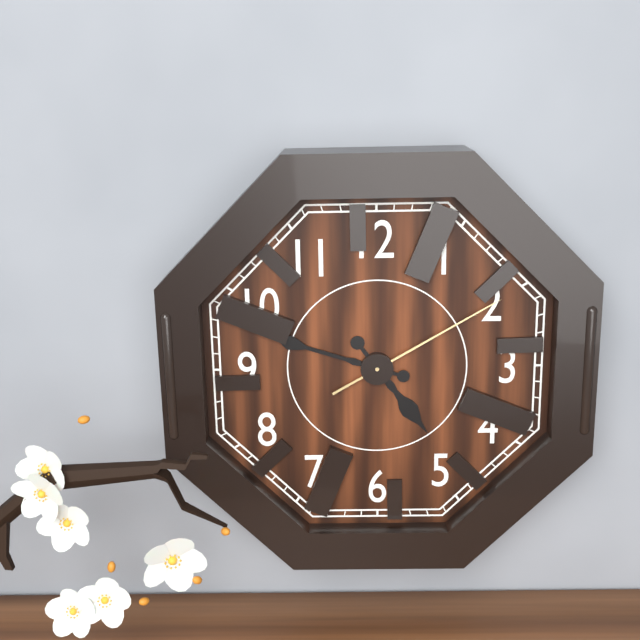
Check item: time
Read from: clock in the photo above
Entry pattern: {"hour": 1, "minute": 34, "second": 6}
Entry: {"hour": 4, "minute": 48, "second": 10}
